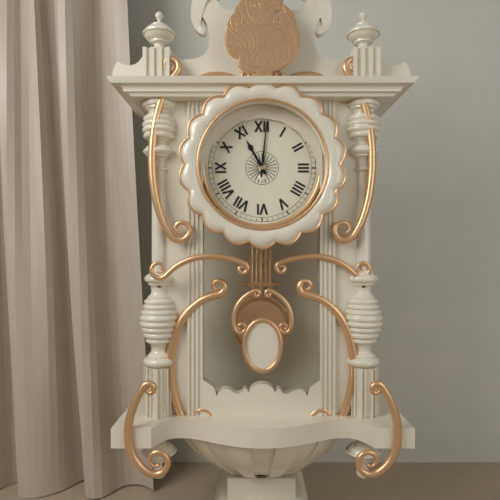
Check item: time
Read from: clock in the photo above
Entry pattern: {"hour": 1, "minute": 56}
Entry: {"hour": 11, "minute": 1}
